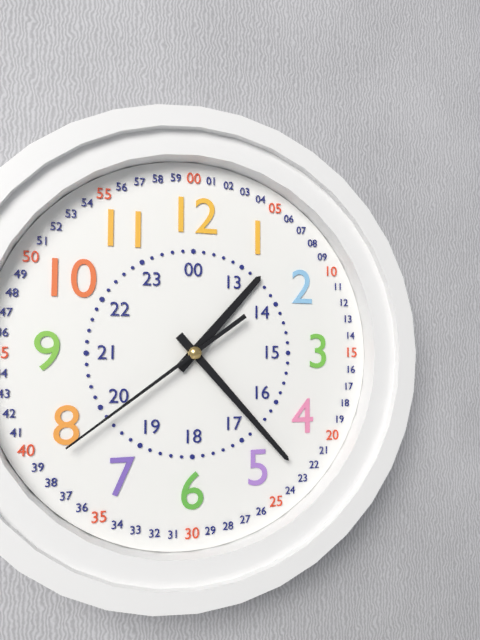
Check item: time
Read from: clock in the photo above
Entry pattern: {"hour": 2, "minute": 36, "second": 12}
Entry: {"hour": 1, "minute": 23, "second": 39}
